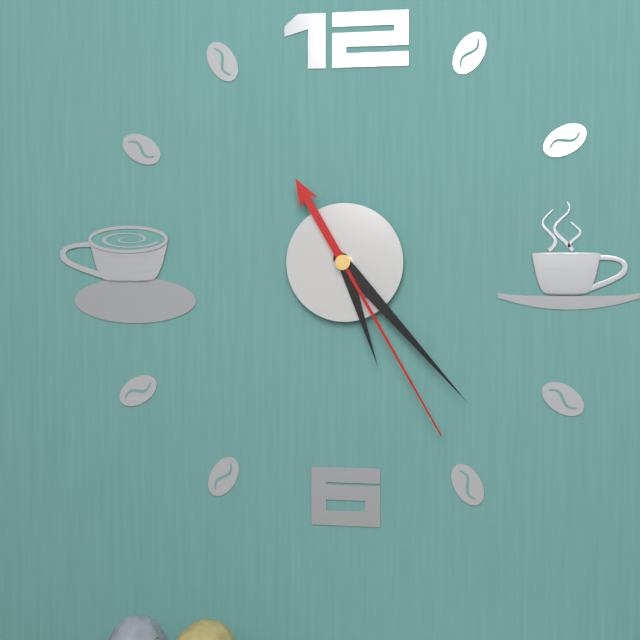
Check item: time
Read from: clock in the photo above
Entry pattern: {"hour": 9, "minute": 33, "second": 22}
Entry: {"hour": 5, "minute": 23, "second": 25}
